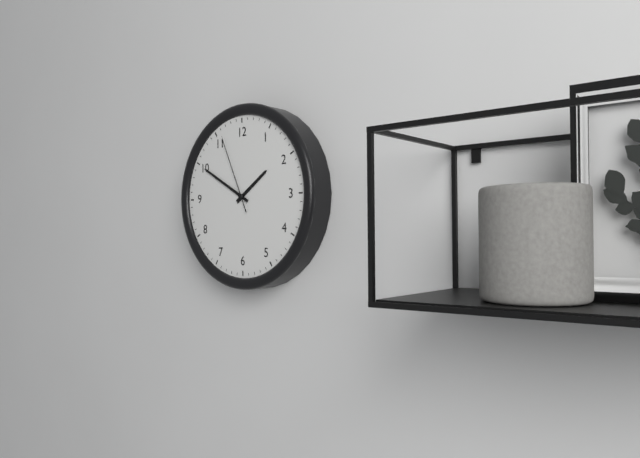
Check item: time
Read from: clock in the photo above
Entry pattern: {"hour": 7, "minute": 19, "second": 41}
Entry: {"hour": 1, "minute": 50, "second": 56}
